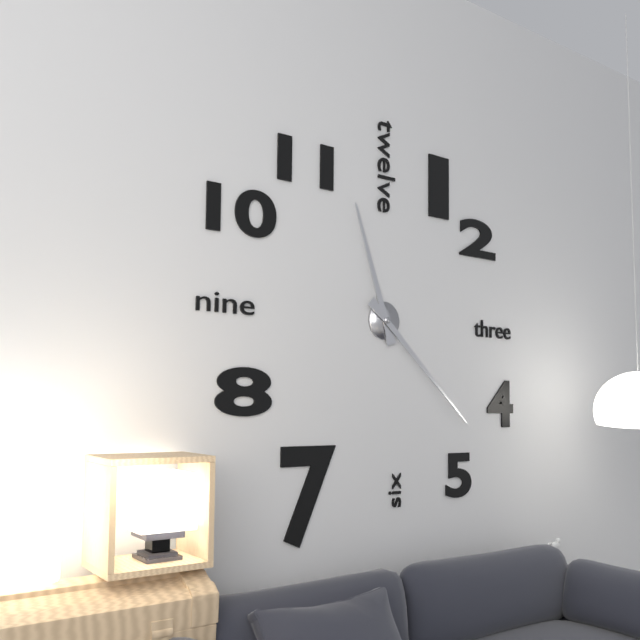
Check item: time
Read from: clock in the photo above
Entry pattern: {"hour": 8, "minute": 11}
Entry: {"hour": 11, "minute": 22}
